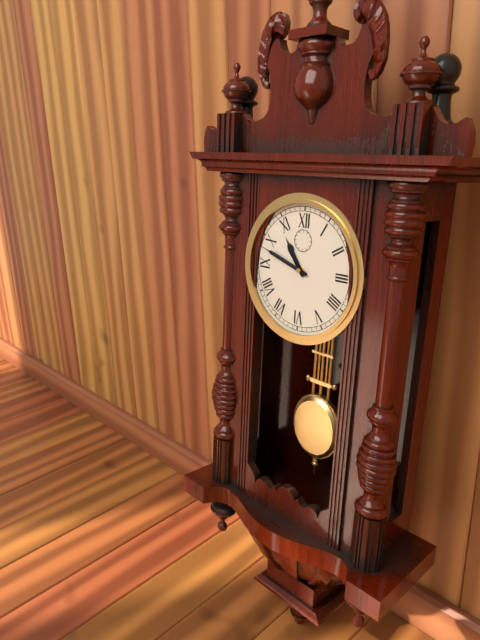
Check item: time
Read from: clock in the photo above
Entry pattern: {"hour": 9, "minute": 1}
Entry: {"hour": 10, "minute": 48}
